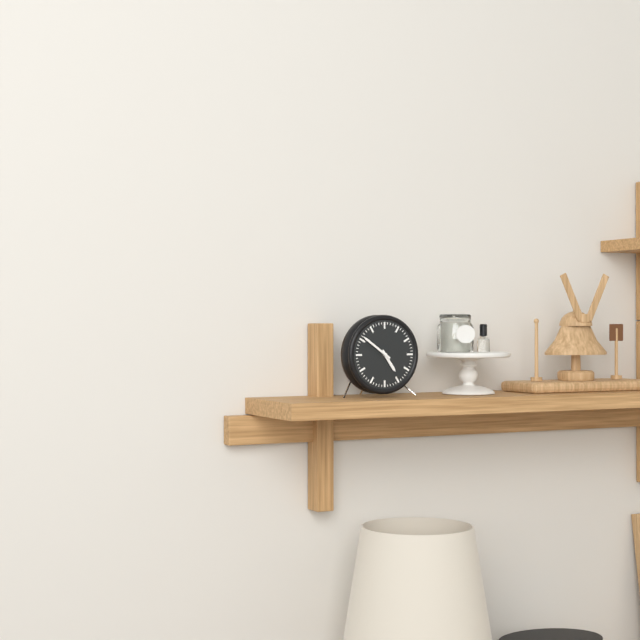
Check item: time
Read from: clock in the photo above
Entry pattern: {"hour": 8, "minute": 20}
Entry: {"hour": 4, "minute": 51}
